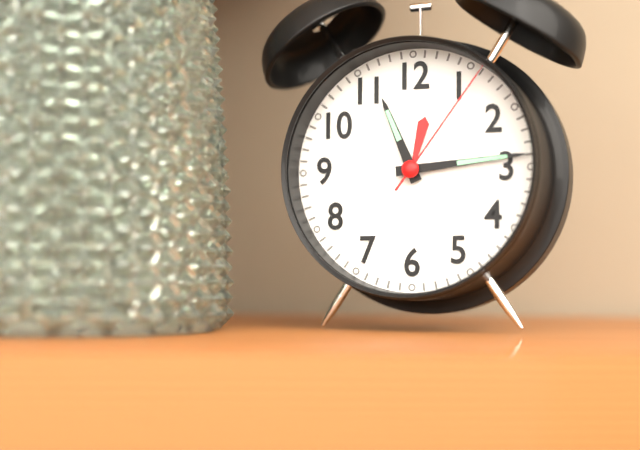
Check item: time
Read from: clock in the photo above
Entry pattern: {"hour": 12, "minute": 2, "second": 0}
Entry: {"hour": 11, "minute": 14, "second": 6}
